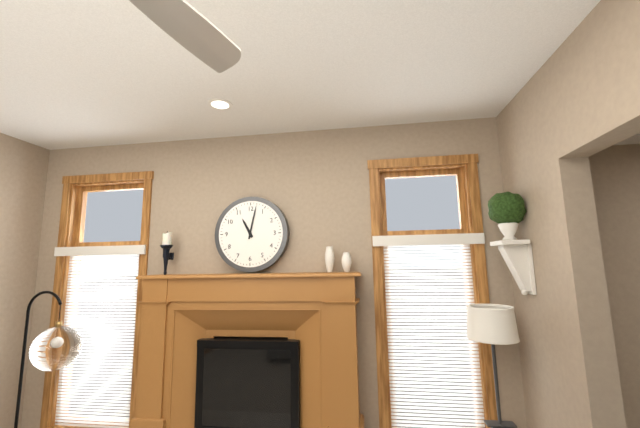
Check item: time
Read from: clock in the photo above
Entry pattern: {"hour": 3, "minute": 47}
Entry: {"hour": 11, "minute": 2}
